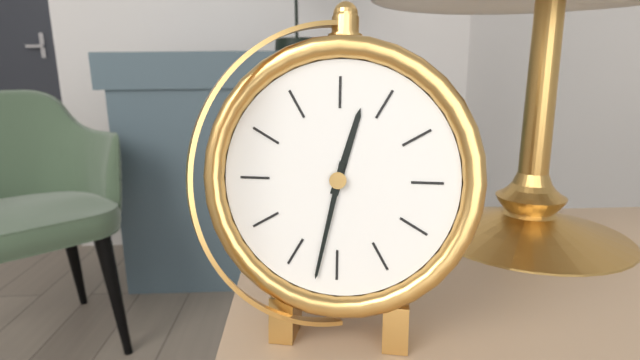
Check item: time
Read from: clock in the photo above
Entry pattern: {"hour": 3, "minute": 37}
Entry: {"hour": 12, "minute": 32}
